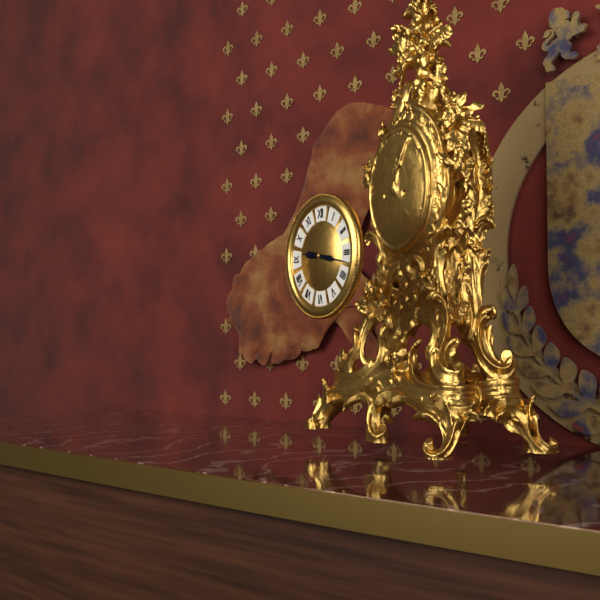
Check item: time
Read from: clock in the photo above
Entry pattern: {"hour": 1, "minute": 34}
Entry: {"hour": 9, "minute": 17}
